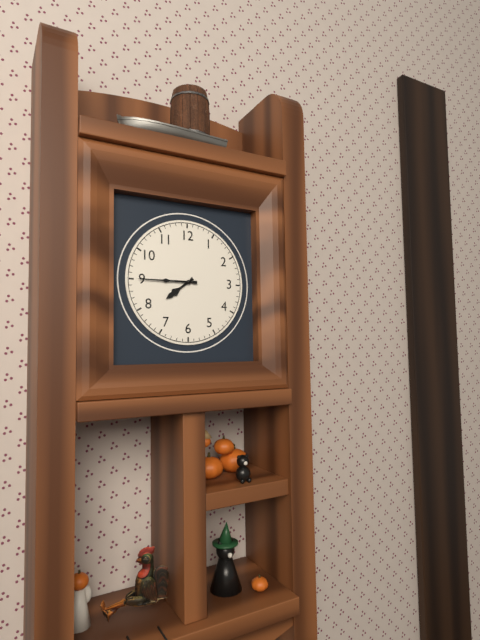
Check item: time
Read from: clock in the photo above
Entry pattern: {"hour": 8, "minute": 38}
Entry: {"hour": 7, "minute": 45}
